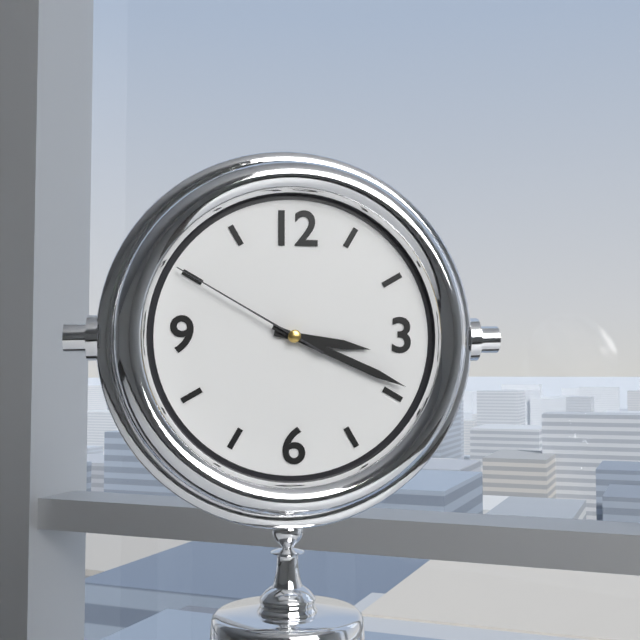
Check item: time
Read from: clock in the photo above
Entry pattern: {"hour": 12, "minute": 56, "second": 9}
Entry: {"hour": 3, "minute": 19, "second": 50}
